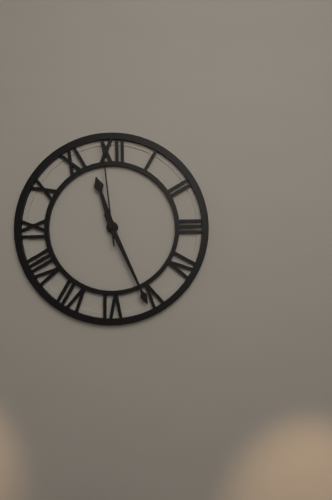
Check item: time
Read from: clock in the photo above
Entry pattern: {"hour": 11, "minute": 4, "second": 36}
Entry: {"hour": 11, "minute": 26, "second": 59}
